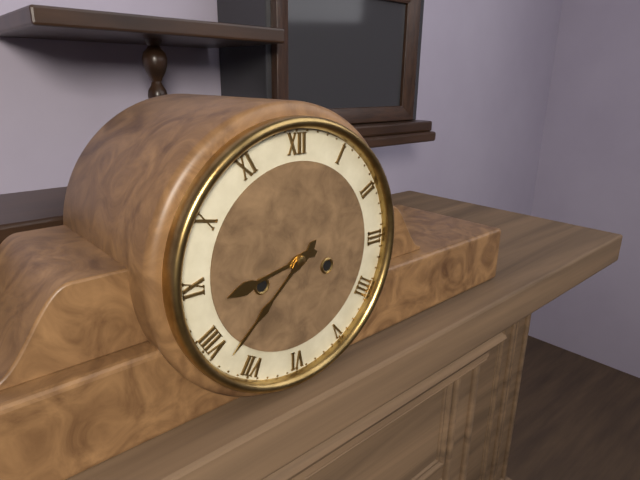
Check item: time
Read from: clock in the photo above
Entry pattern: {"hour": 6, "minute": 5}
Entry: {"hour": 8, "minute": 38}
